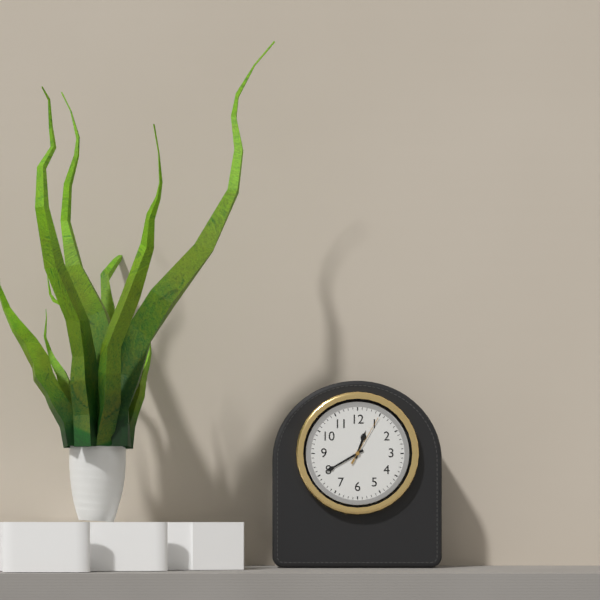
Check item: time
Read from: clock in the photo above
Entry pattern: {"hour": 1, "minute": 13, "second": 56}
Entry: {"hour": 12, "minute": 40, "second": 5}
